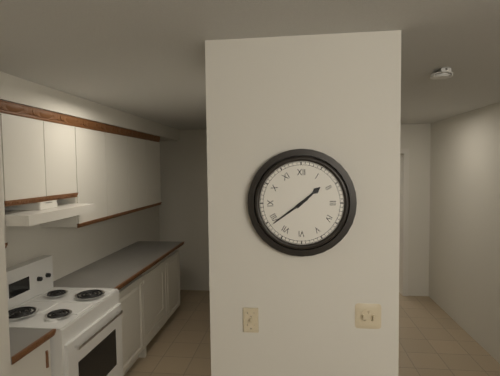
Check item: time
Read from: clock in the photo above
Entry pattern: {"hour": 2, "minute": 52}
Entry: {"hour": 1, "minute": 39}
